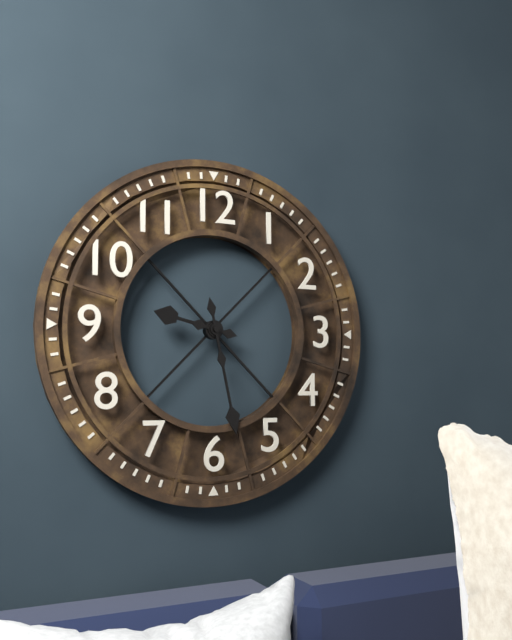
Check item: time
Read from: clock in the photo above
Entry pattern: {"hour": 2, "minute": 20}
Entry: {"hour": 9, "minute": 28}
